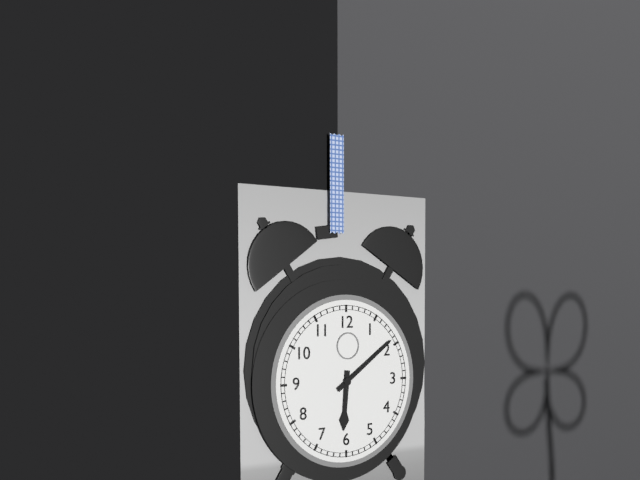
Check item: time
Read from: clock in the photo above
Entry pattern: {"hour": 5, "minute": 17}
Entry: {"hour": 6, "minute": 9}
